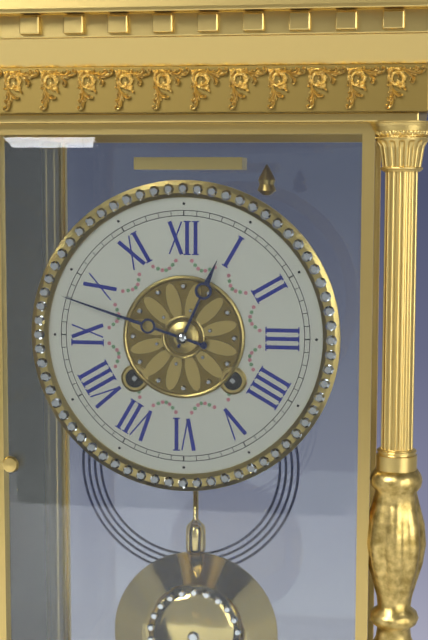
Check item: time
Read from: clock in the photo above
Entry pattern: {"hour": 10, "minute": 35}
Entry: {"hour": 12, "minute": 48}
